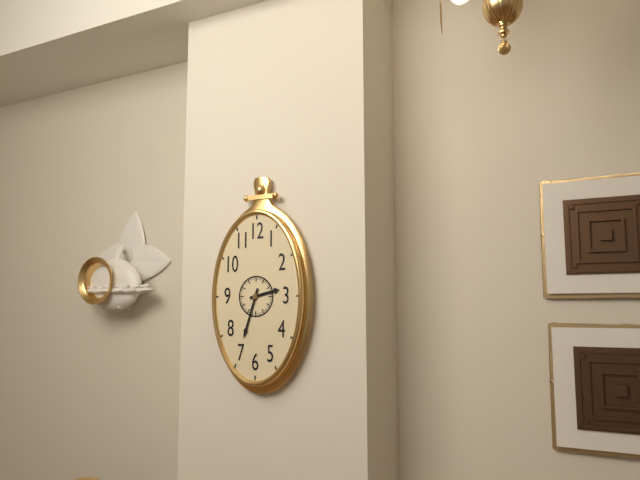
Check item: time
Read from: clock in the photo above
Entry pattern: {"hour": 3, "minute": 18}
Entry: {"hour": 2, "minute": 33}
